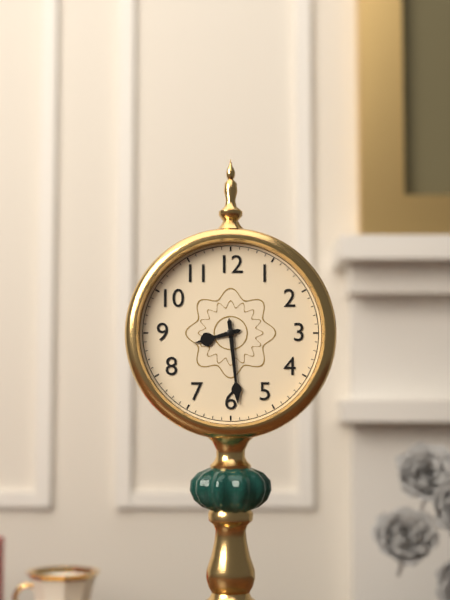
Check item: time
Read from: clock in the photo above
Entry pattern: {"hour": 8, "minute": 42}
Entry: {"hour": 8, "minute": 29}
